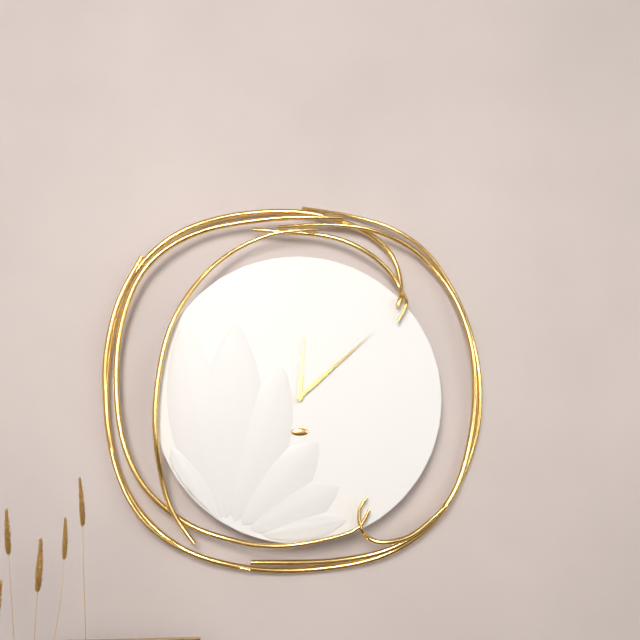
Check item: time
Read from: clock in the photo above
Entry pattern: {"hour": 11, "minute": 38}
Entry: {"hour": 12, "minute": 8}
